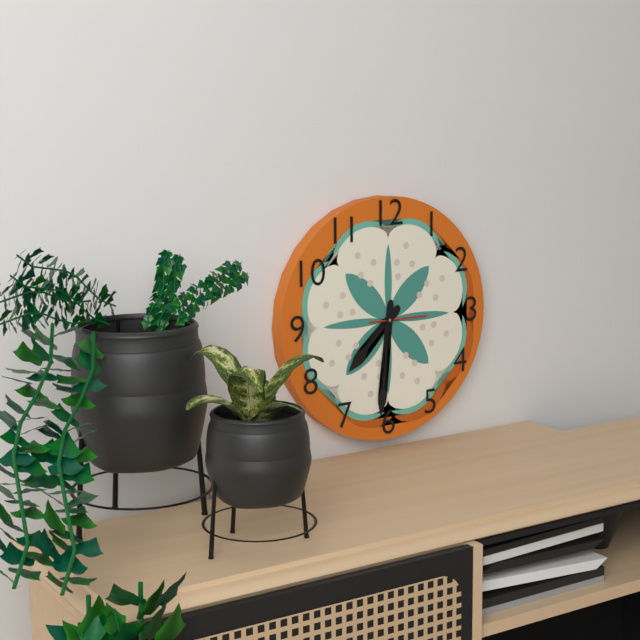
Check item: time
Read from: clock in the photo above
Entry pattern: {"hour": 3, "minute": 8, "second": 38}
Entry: {"hour": 7, "minute": 31, "second": 15}
